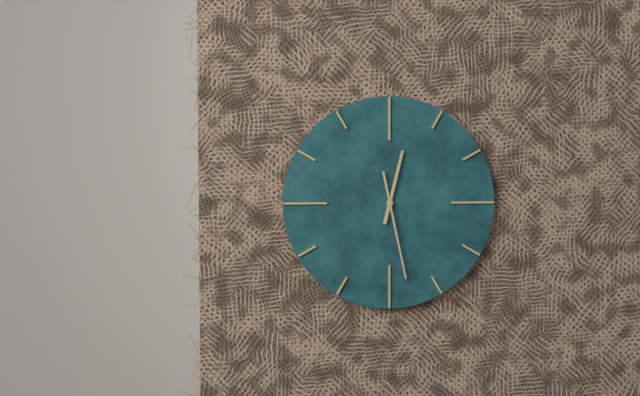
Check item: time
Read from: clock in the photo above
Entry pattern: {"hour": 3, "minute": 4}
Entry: {"hour": 12, "minute": 28}
